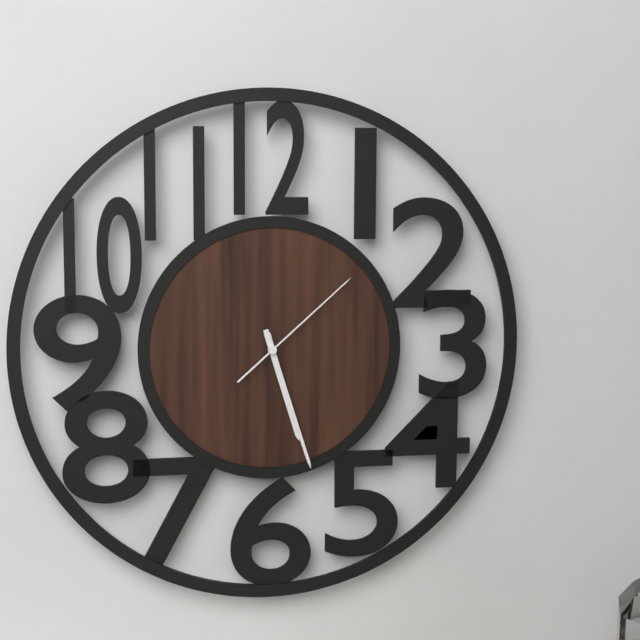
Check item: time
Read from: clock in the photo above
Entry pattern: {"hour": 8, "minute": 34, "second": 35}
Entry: {"hour": 5, "minute": 27, "second": 8}
